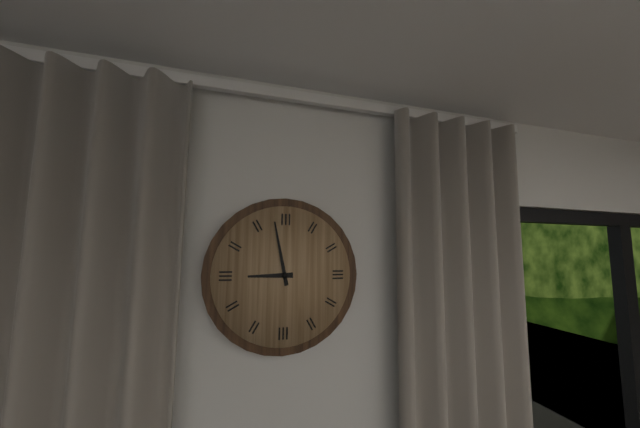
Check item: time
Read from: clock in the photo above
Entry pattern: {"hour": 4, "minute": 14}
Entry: {"hour": 8, "minute": 58}
